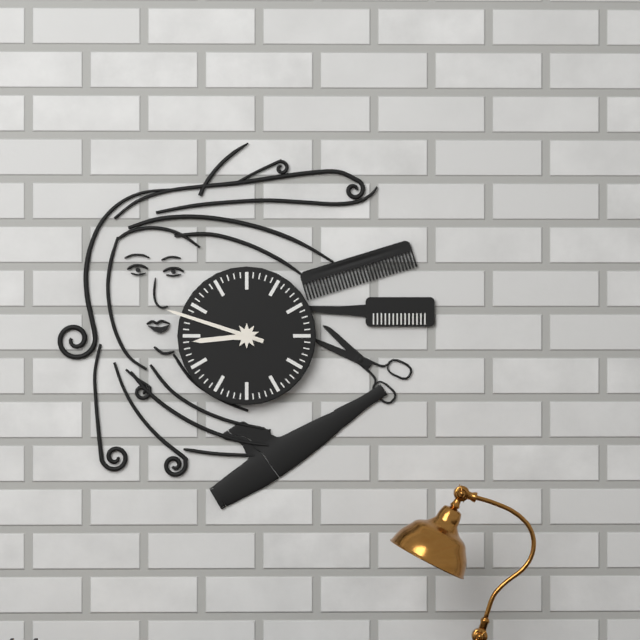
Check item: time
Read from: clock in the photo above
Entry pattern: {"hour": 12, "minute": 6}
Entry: {"hour": 8, "minute": 48}
